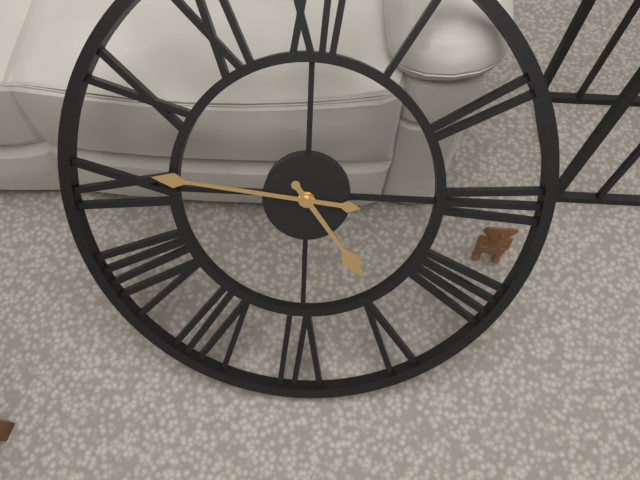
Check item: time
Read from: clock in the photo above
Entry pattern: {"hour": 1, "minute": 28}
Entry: {"hour": 4, "minute": 46}
